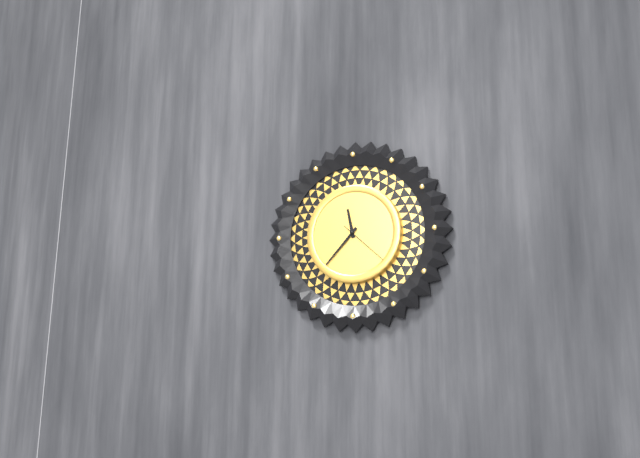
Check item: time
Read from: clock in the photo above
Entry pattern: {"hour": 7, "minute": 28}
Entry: {"hour": 11, "minute": 37}
